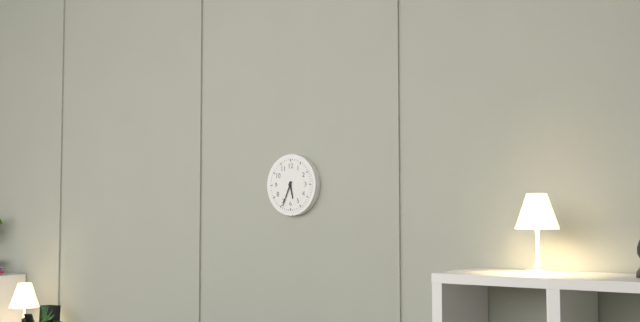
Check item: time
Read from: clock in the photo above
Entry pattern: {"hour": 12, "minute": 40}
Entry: {"hour": 5, "minute": 34}
